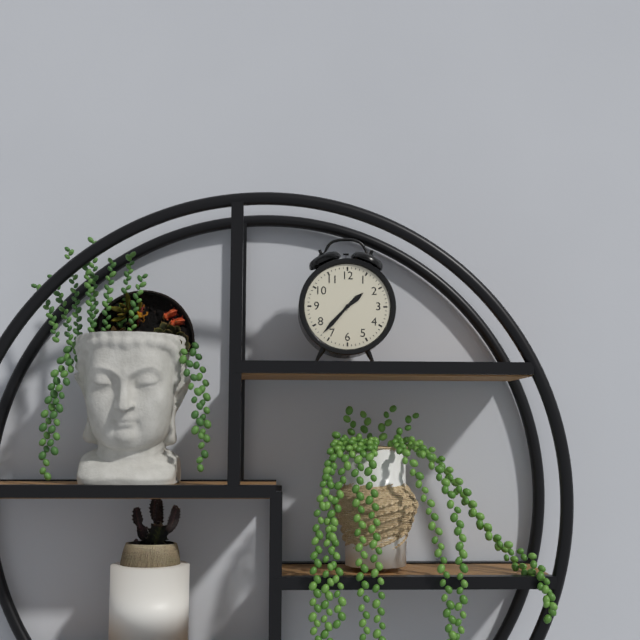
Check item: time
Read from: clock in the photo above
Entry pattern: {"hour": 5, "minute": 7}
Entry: {"hour": 1, "minute": 37}
